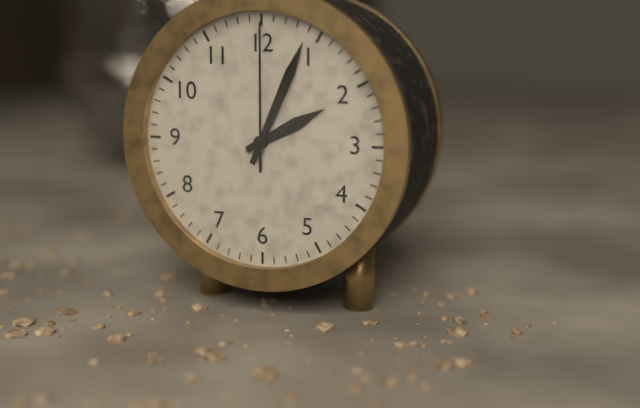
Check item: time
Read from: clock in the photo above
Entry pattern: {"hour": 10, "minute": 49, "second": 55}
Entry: {"hour": 2, "minute": 4, "second": 0}
